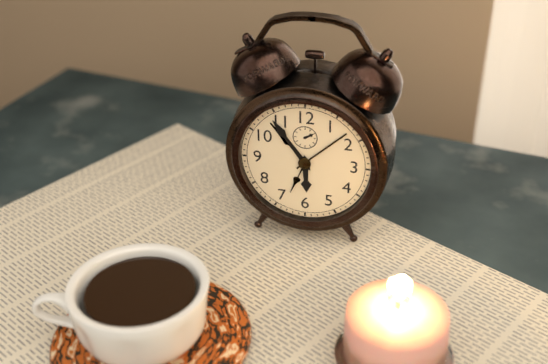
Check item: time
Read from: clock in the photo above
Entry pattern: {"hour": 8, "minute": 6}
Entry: {"hour": 5, "minute": 54}
